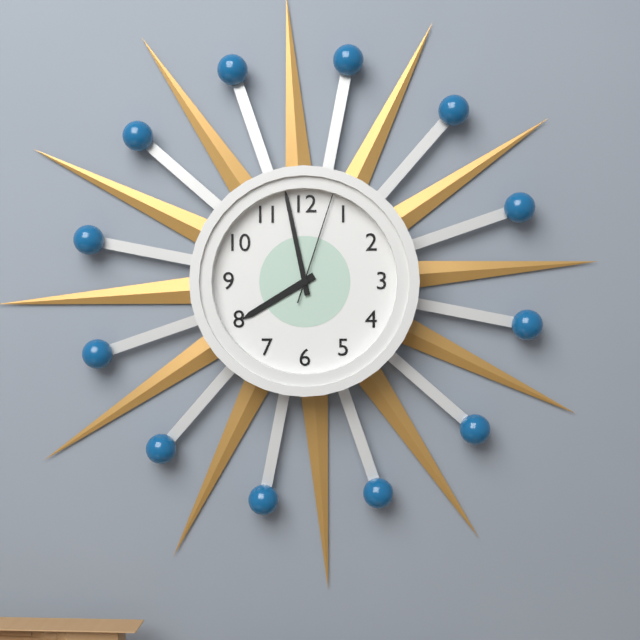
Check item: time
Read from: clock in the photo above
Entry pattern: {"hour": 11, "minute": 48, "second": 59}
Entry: {"hour": 7, "minute": 58, "second": 3}
